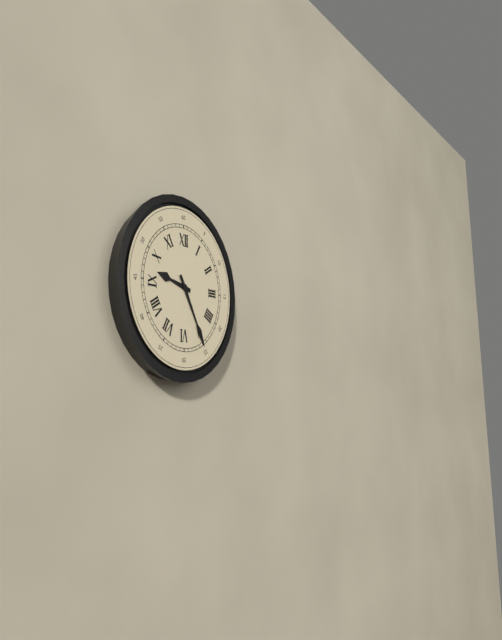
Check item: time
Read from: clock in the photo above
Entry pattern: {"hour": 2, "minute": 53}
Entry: {"hour": 9, "minute": 25}
